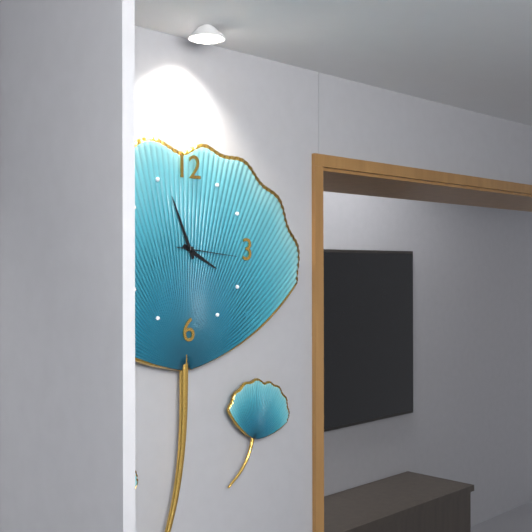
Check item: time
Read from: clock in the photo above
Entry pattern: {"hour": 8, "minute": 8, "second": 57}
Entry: {"hour": 3, "minute": 56, "second": 16}
